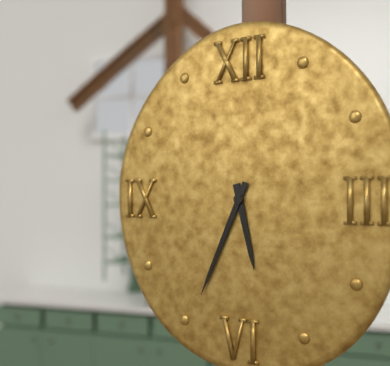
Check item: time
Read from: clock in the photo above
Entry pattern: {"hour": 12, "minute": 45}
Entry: {"hour": 5, "minute": 34}
